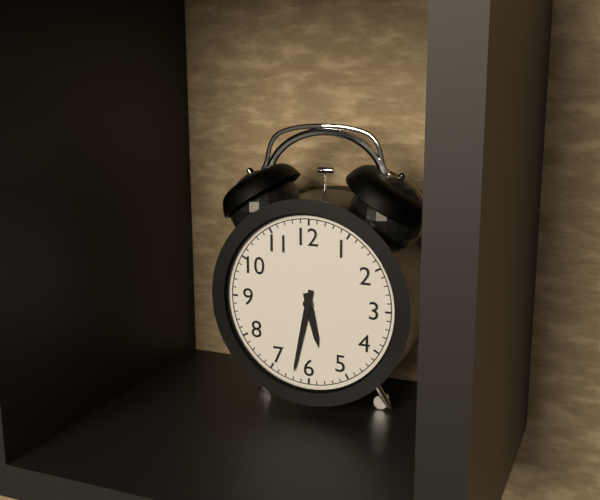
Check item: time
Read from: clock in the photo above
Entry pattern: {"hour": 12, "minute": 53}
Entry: {"hour": 5, "minute": 32}
